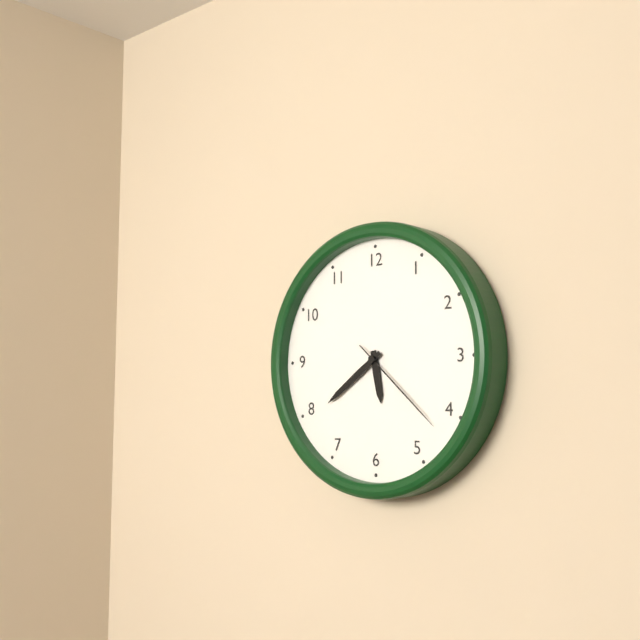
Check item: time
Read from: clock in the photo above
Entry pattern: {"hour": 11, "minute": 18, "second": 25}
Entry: {"hour": 5, "minute": 39, "second": 22}
